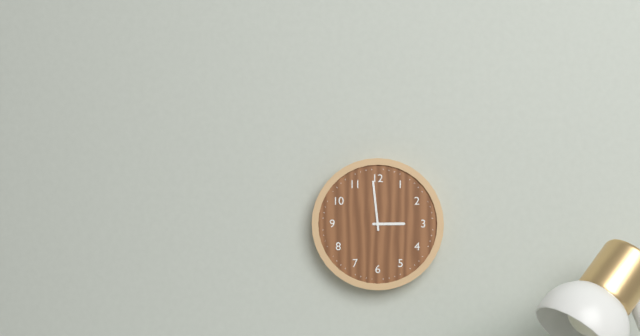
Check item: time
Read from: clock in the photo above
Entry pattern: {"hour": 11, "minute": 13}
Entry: {"hour": 2, "minute": 59}
